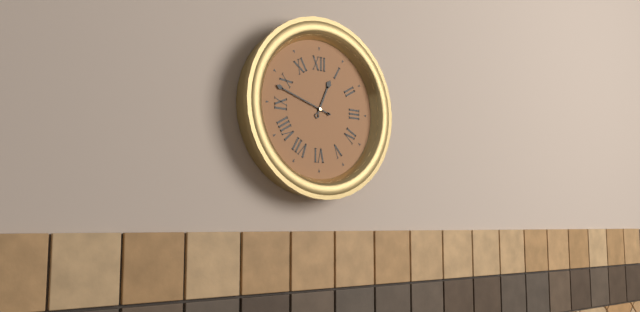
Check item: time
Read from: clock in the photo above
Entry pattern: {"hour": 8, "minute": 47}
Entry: {"hour": 12, "minute": 48}
